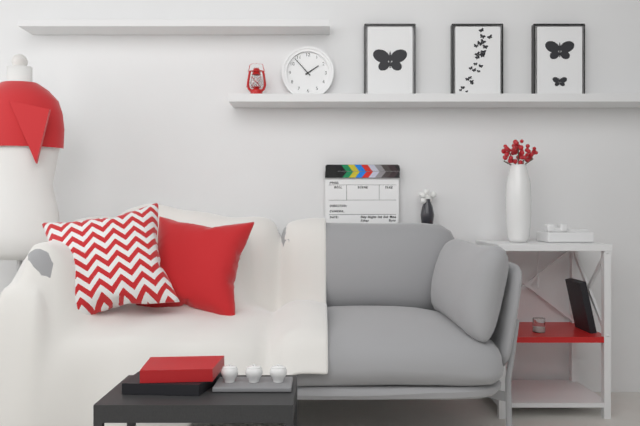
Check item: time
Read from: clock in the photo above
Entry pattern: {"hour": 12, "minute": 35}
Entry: {"hour": 1, "minute": 53}
